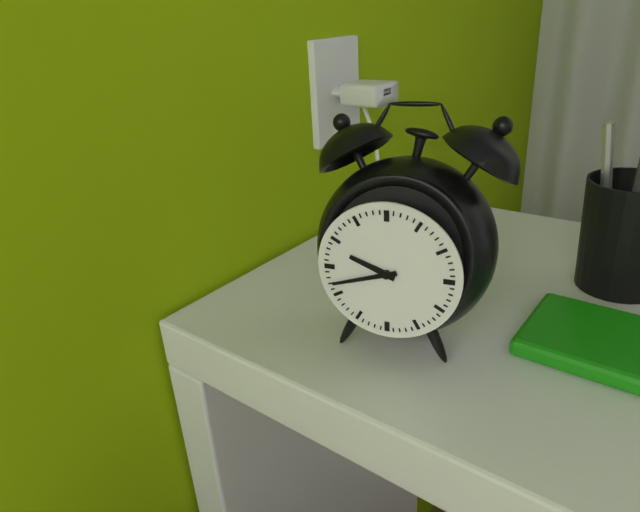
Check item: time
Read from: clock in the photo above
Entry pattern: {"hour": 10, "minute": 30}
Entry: {"hour": 9, "minute": 42}
